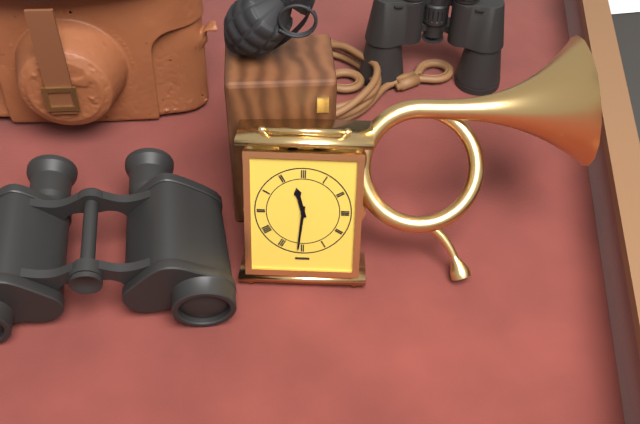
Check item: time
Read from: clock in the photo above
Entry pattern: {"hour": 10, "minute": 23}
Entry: {"hour": 11, "minute": 31}
